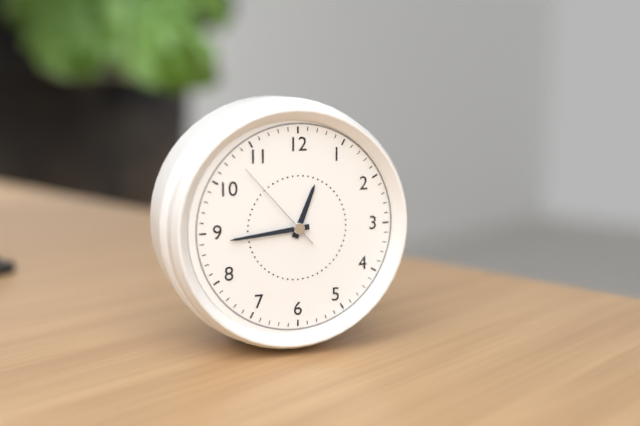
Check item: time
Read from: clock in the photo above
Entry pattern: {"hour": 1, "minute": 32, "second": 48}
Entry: {"hour": 12, "minute": 44, "second": 53}
